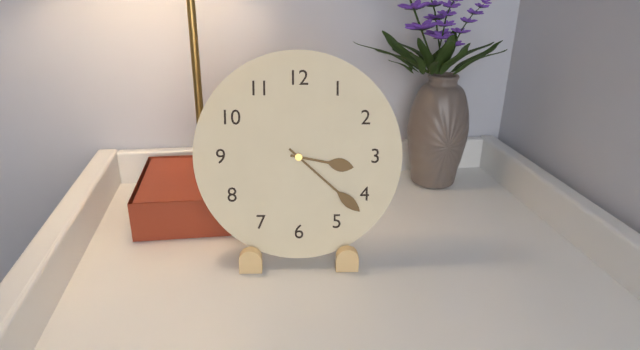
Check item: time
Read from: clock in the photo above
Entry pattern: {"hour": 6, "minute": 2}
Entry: {"hour": 3, "minute": 22}
